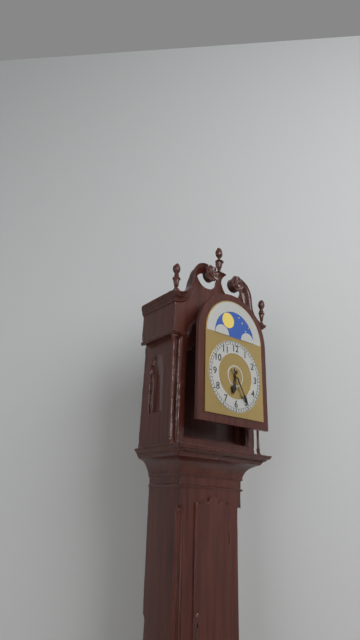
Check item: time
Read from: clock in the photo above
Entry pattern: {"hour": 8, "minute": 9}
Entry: {"hour": 6, "minute": 25}
